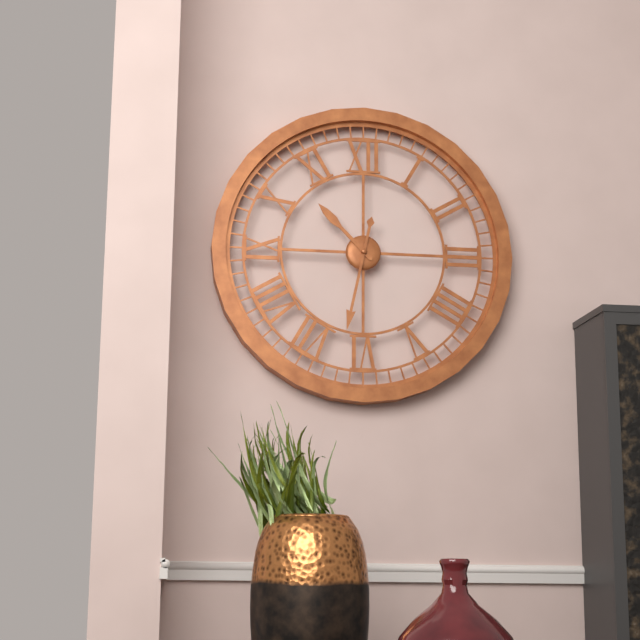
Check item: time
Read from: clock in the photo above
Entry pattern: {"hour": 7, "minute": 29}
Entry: {"hour": 10, "minute": 32}
